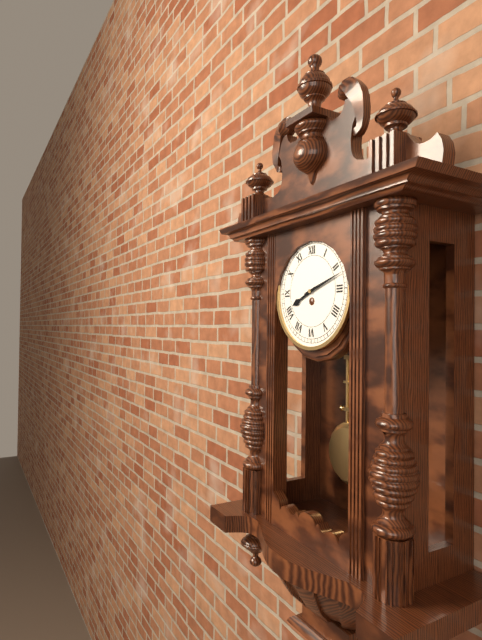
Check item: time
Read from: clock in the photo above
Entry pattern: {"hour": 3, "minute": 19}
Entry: {"hour": 8, "minute": 12}
